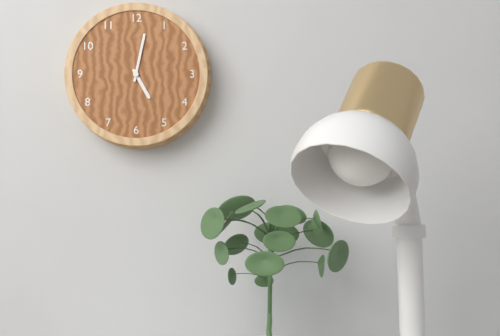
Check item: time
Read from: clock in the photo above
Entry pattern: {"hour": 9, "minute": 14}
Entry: {"hour": 5, "minute": 2}
